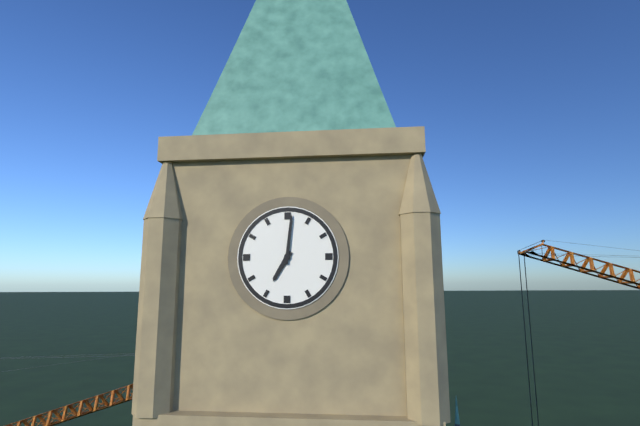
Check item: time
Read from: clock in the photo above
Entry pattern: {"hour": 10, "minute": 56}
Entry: {"hour": 7, "minute": 1}
